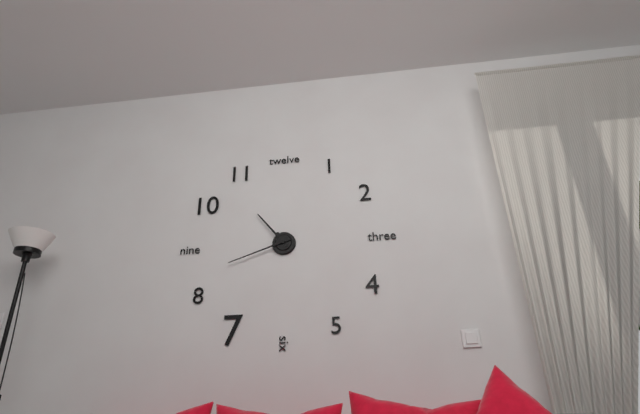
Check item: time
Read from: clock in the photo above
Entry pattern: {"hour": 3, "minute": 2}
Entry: {"hour": 10, "minute": 42}
